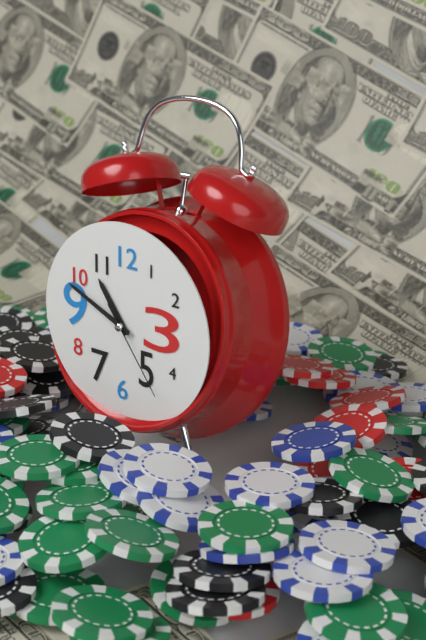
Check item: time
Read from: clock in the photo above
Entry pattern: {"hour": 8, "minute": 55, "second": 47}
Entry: {"hour": 10, "minute": 49, "second": 24}
